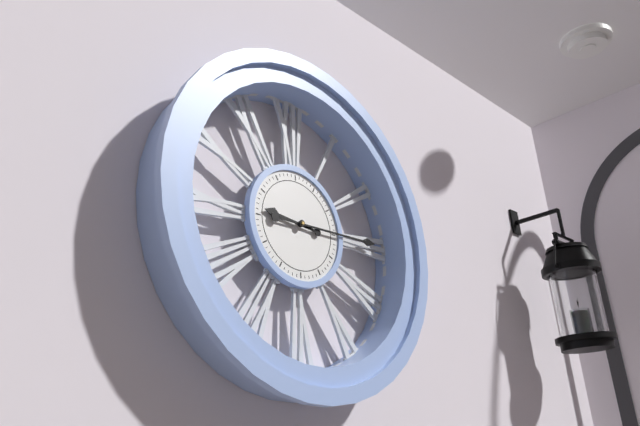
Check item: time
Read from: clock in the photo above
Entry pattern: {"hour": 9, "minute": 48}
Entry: {"hour": 9, "minute": 15}
